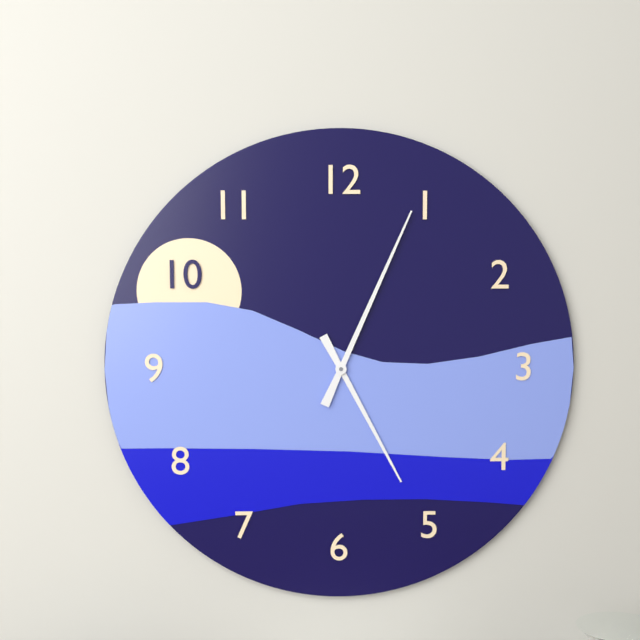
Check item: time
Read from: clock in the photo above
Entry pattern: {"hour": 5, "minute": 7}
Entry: {"hour": 5, "minute": 4}
